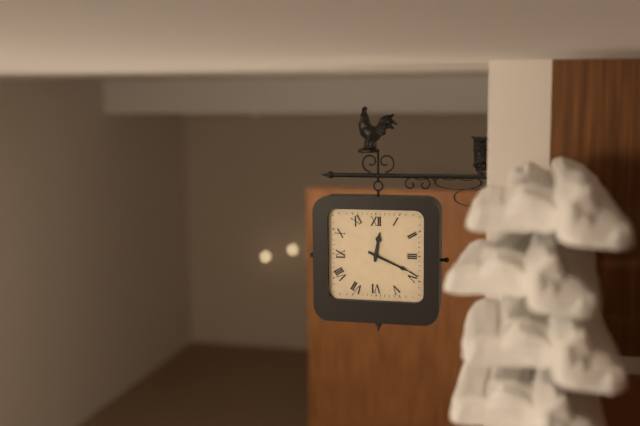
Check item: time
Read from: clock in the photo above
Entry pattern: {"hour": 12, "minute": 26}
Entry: {"hour": 12, "minute": 19}
